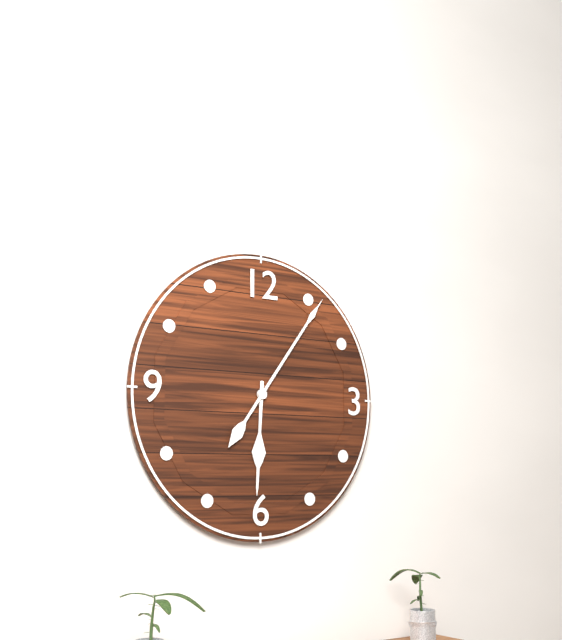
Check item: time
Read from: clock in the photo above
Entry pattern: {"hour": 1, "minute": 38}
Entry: {"hour": 6, "minute": 6}
